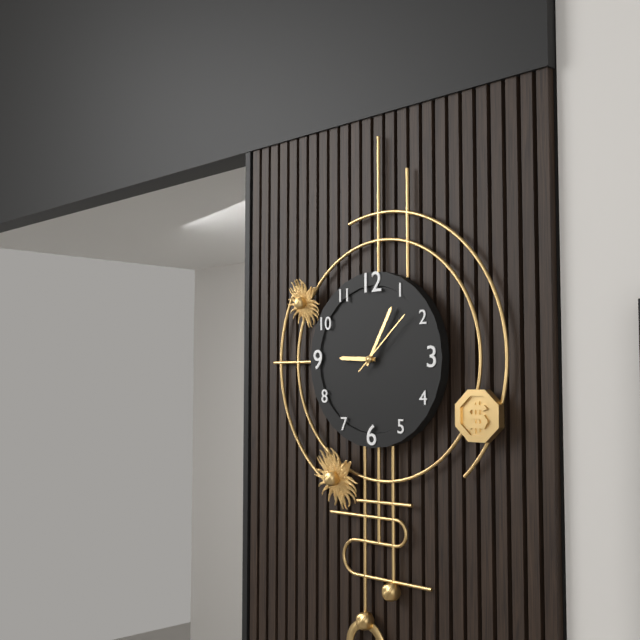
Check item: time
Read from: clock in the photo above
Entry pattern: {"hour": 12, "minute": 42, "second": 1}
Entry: {"hour": 9, "minute": 5, "second": 8}
